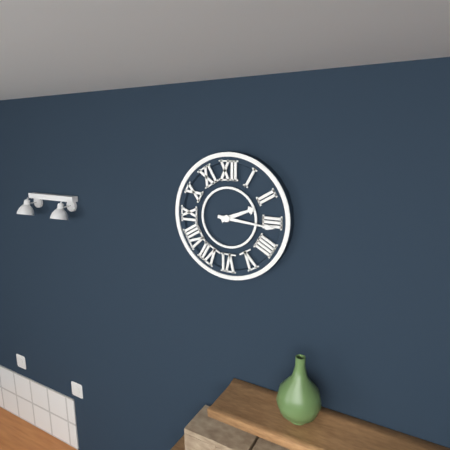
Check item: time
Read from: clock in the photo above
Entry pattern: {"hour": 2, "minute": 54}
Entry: {"hour": 2, "minute": 16}
